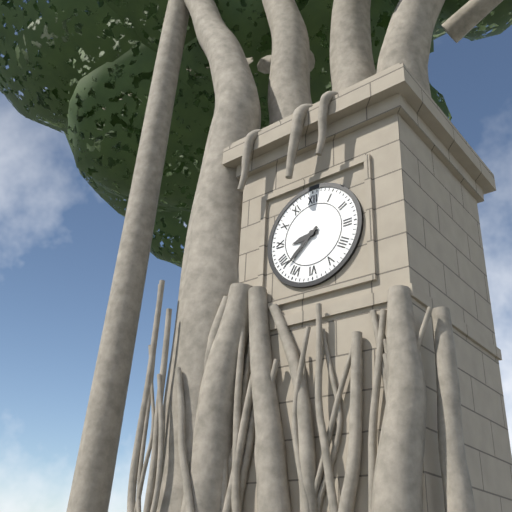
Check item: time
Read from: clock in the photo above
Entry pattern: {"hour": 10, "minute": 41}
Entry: {"hour": 8, "minute": 38}
